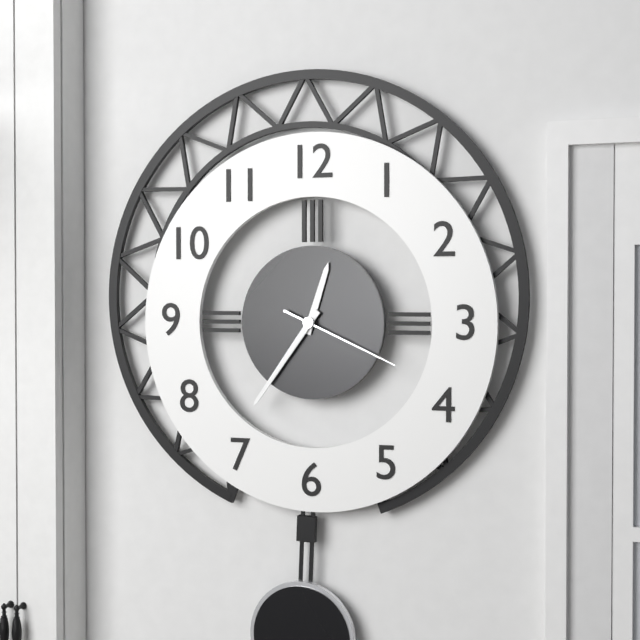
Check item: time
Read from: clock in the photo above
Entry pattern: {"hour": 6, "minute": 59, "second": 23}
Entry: {"hour": 12, "minute": 36, "second": 19}
